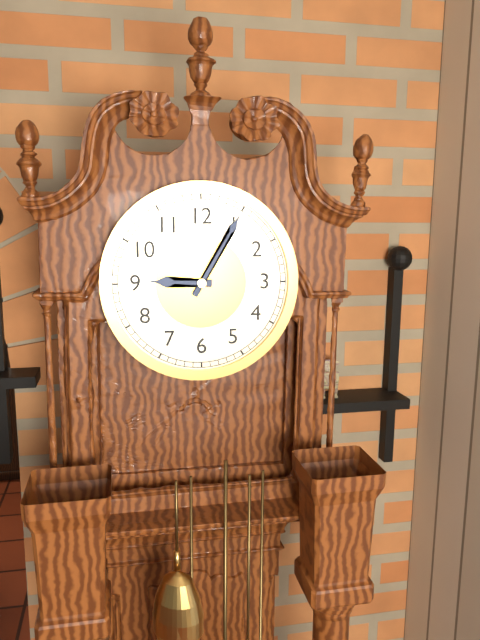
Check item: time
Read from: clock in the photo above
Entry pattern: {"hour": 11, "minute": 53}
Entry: {"hour": 9, "minute": 5}
